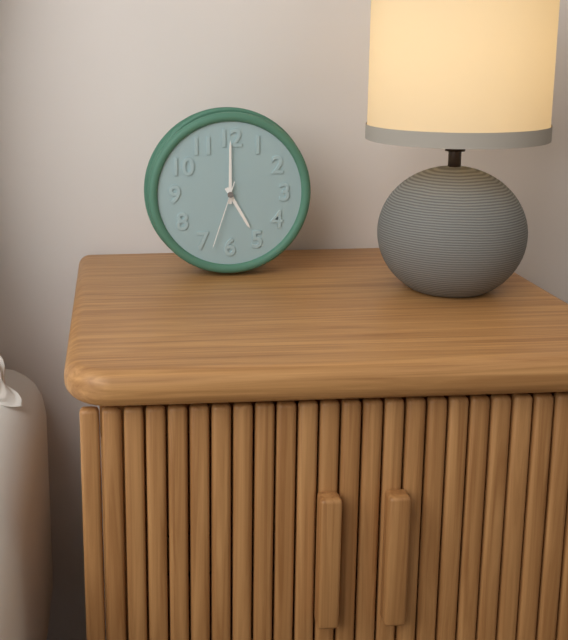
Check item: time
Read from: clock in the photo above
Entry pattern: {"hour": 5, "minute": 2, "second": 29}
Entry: {"hour": 5, "minute": 0, "second": 33}
